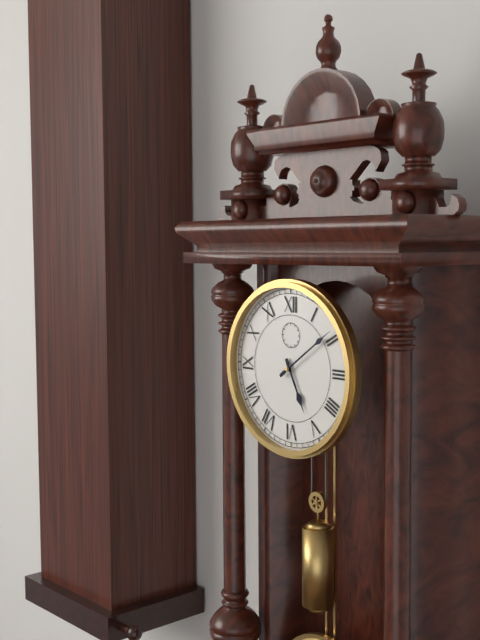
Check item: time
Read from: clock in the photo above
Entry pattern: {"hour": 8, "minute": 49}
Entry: {"hour": 5, "minute": 9}
